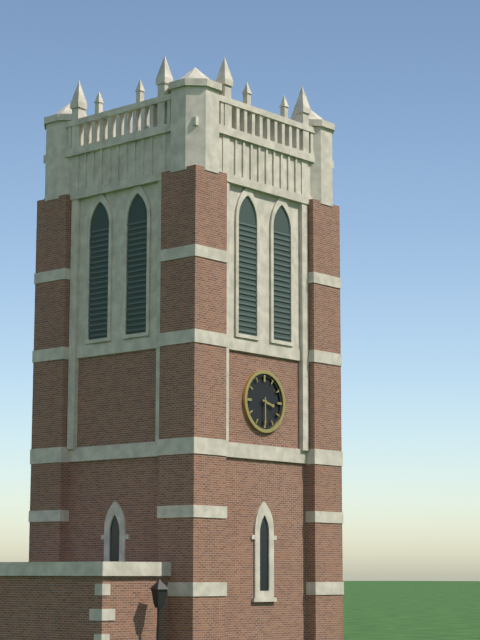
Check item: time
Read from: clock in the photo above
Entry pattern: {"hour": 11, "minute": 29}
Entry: {"hour": 3, "minute": 30}
